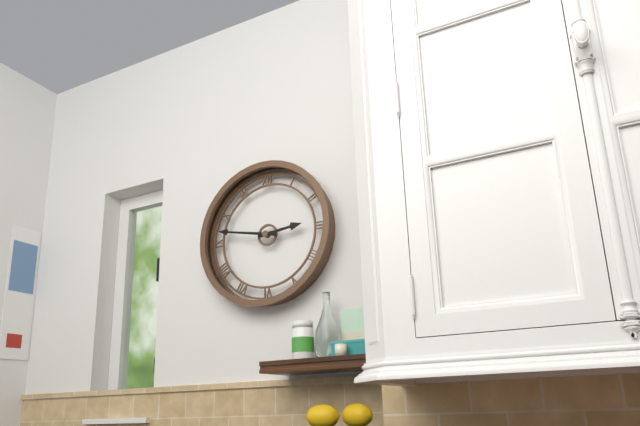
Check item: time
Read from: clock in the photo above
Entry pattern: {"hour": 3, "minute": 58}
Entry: {"hour": 2, "minute": 47}
